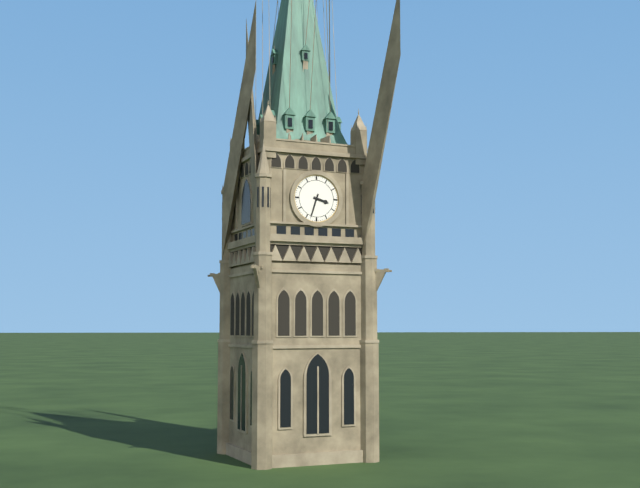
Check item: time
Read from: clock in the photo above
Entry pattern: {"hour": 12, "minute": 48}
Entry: {"hour": 3, "minute": 33}
